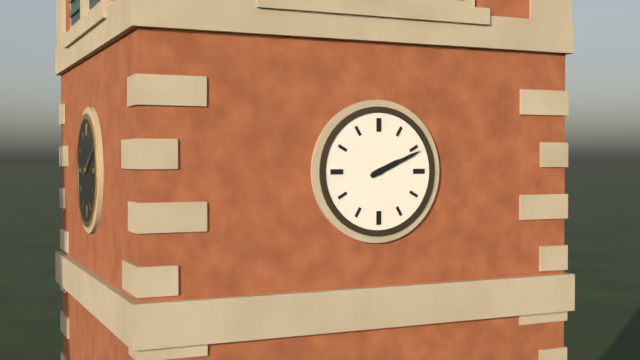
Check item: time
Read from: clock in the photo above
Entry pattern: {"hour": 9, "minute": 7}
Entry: {"hour": 2, "minute": 11}
